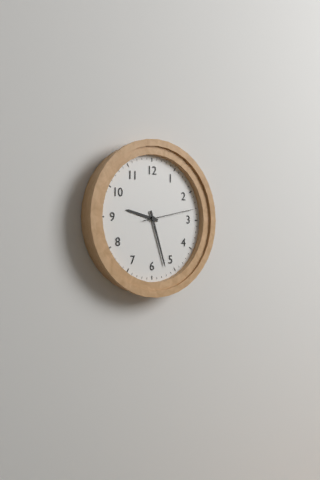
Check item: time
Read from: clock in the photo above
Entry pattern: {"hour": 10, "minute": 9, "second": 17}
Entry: {"hour": 9, "minute": 27, "second": 13}
